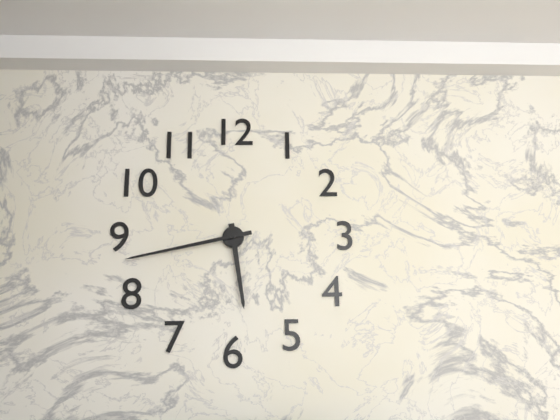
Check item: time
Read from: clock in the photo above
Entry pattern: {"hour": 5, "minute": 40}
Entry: {"hour": 5, "minute": 43}
